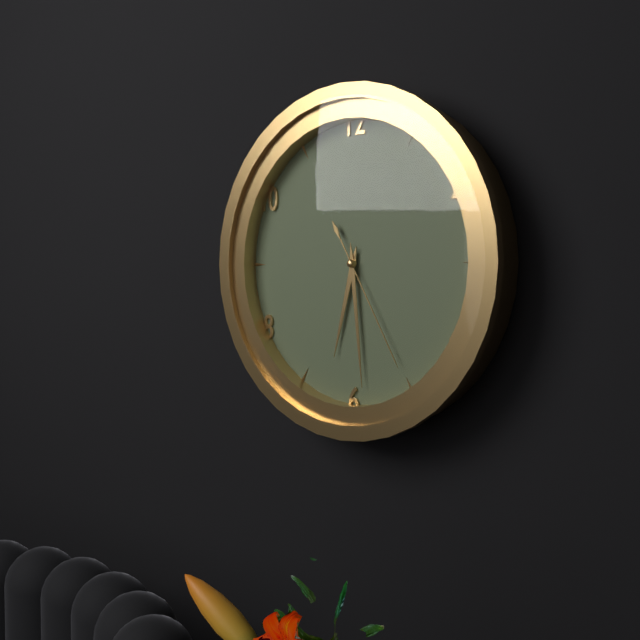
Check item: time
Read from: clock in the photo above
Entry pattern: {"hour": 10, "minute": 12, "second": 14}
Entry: {"hour": 6, "minute": 29, "second": 25}
